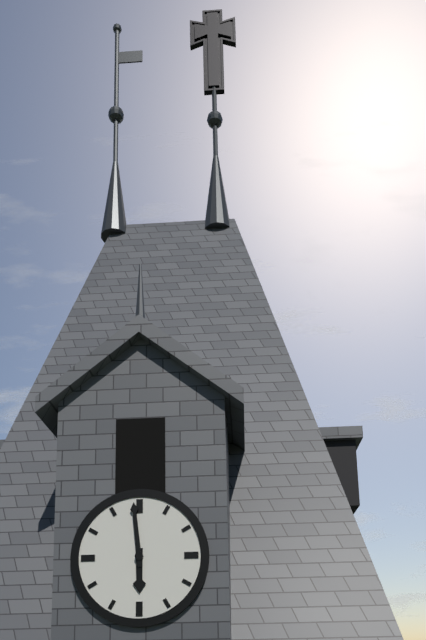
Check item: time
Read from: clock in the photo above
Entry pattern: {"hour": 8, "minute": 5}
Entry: {"hour": 5, "minute": 59}
